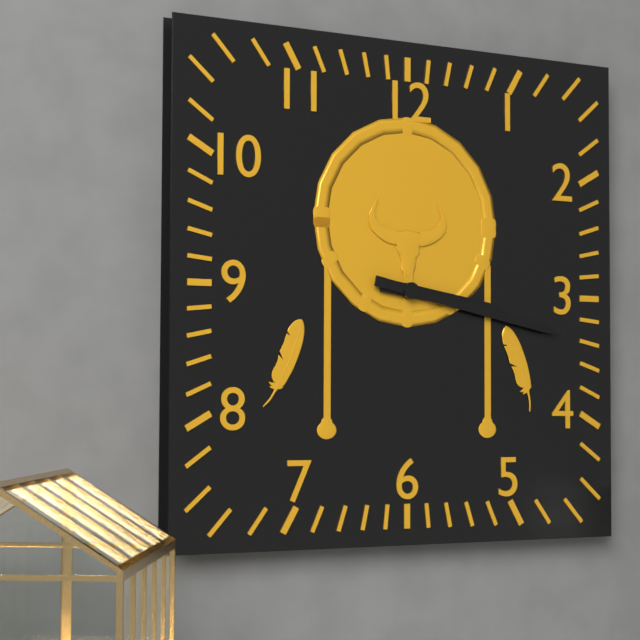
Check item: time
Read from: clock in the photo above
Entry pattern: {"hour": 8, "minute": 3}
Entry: {"hour": 3, "minute": 17}
